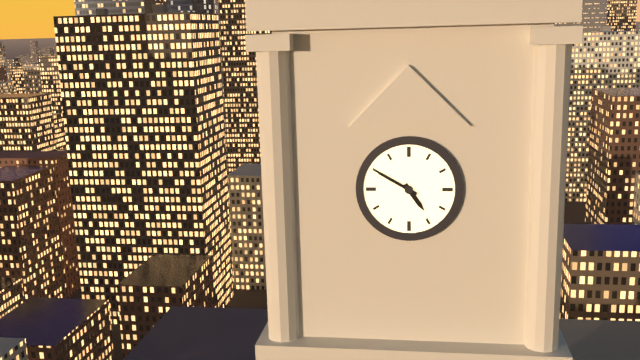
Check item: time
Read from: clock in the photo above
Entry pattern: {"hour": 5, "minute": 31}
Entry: {"hour": 4, "minute": 50}
